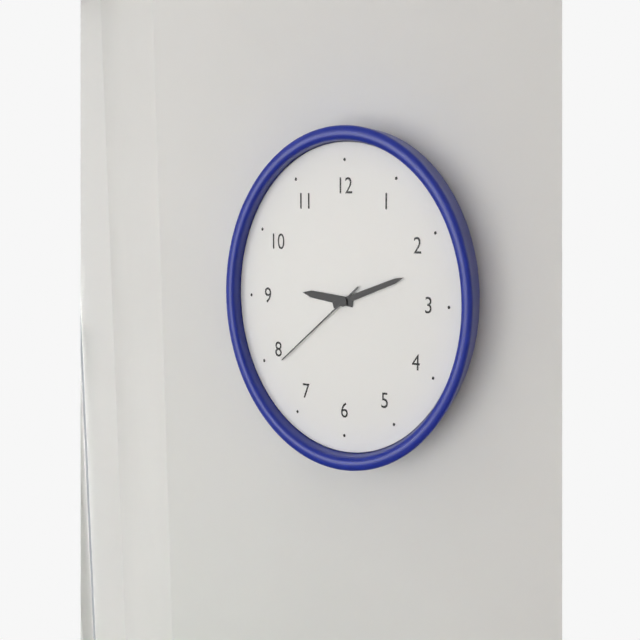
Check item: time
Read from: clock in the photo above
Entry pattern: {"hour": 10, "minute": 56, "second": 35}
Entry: {"hour": 9, "minute": 12, "second": 39}
